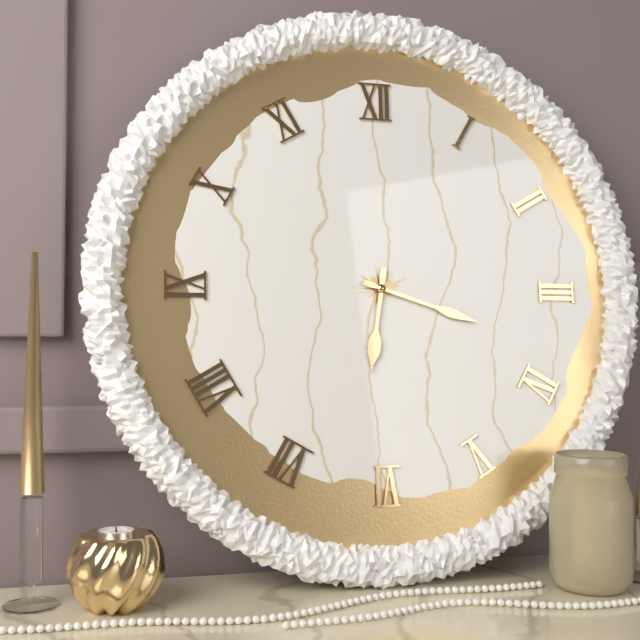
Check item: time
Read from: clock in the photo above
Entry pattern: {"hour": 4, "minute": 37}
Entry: {"hour": 6, "minute": 18}
